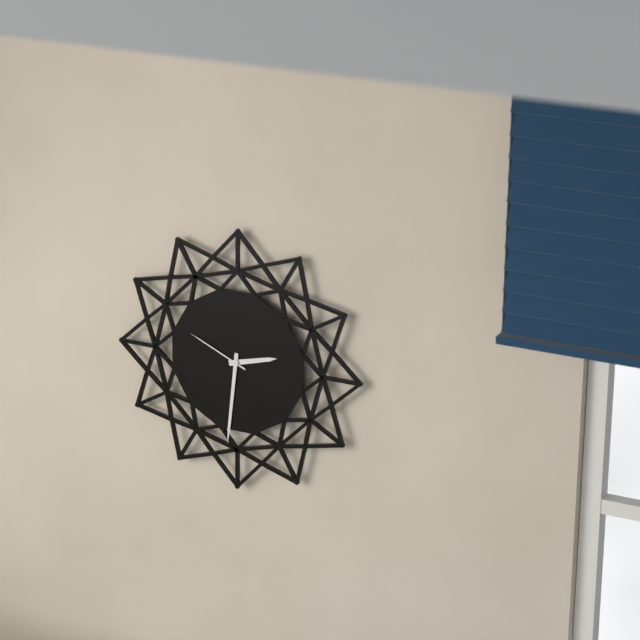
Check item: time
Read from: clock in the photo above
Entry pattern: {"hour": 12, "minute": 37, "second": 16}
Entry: {"hour": 2, "minute": 31, "second": 49}
